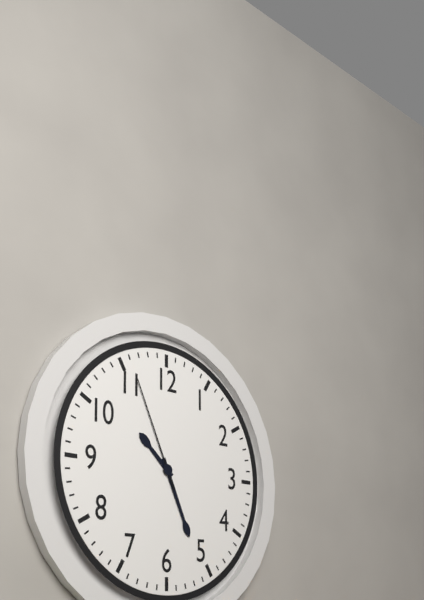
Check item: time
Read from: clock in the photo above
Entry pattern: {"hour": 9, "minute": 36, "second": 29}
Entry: {"hour": 10, "minute": 26, "second": 56}
